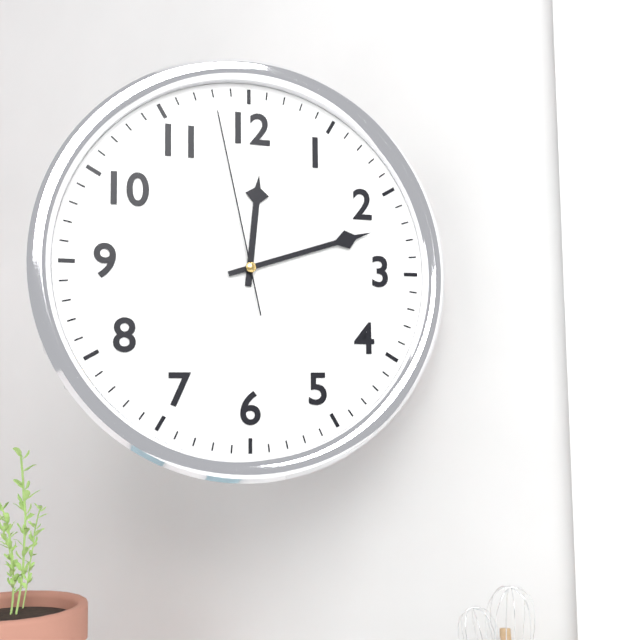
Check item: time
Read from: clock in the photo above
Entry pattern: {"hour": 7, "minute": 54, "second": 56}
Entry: {"hour": 12, "minute": 12, "second": 58}
